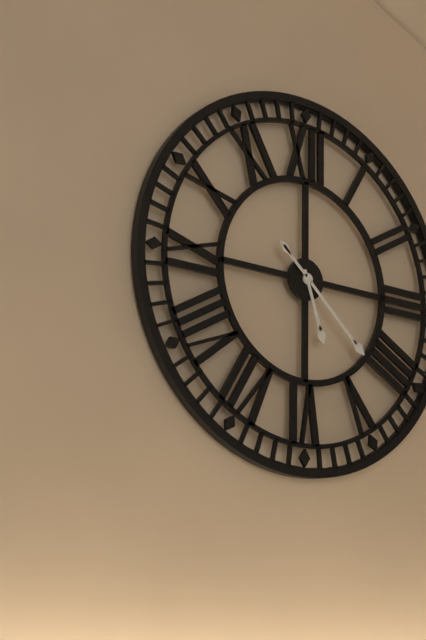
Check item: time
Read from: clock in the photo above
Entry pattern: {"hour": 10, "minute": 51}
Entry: {"hour": 5, "minute": 22}
